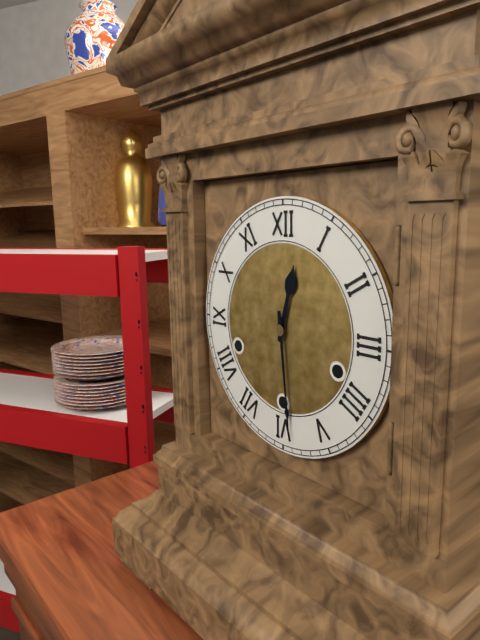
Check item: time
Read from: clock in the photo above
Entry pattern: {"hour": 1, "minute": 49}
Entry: {"hour": 12, "minute": 29}
